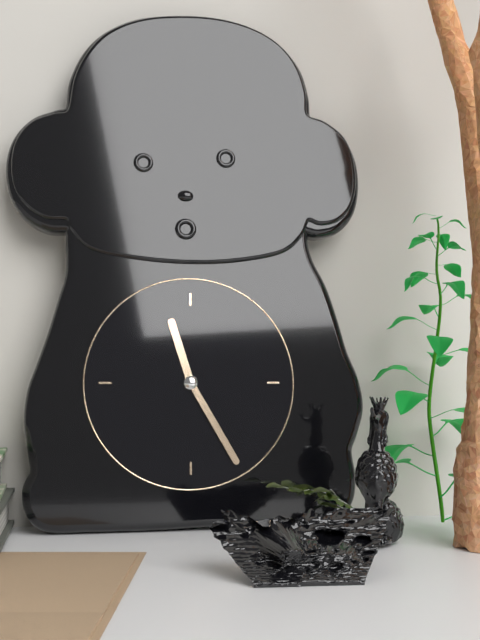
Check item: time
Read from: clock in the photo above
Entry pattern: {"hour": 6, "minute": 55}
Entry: {"hour": 11, "minute": 25}
